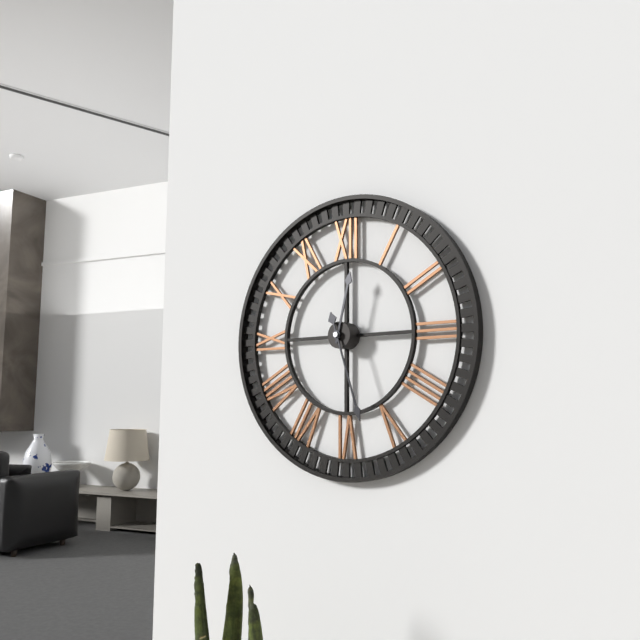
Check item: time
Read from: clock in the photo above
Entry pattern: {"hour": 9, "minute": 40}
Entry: {"hour": 12, "minute": 27}
